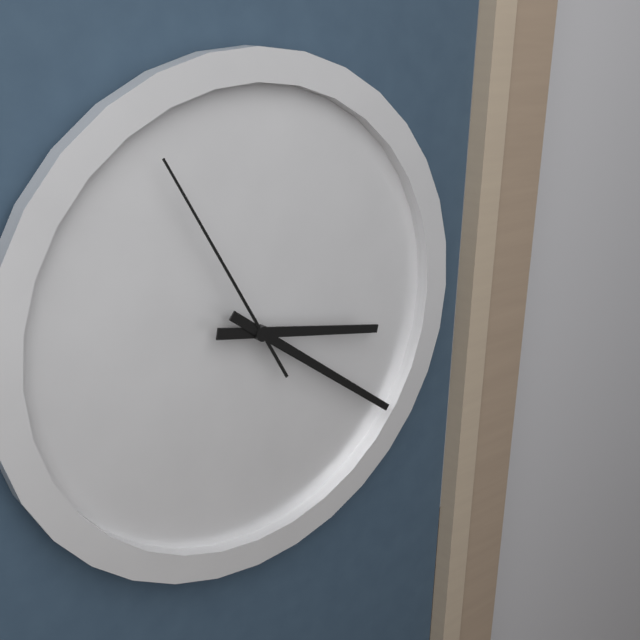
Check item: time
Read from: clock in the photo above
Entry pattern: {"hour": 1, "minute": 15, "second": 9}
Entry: {"hour": 3, "minute": 21, "second": 55}
